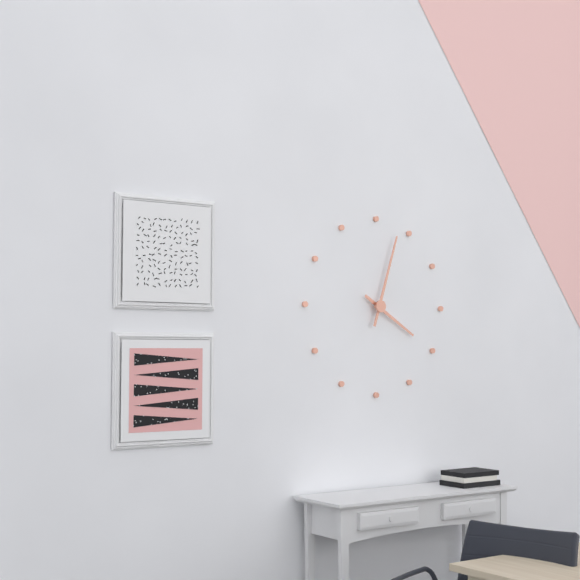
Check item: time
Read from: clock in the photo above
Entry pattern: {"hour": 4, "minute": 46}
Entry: {"hour": 4, "minute": 3}
